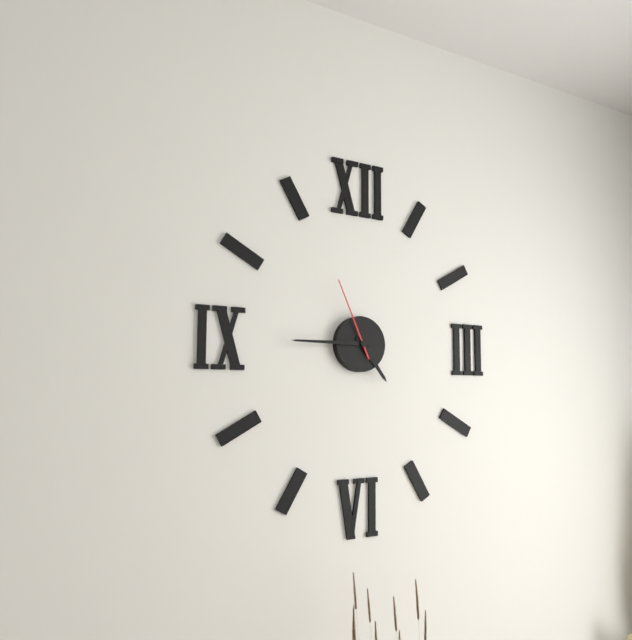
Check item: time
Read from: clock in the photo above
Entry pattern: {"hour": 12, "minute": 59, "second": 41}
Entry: {"hour": 4, "minute": 45, "second": 56}
